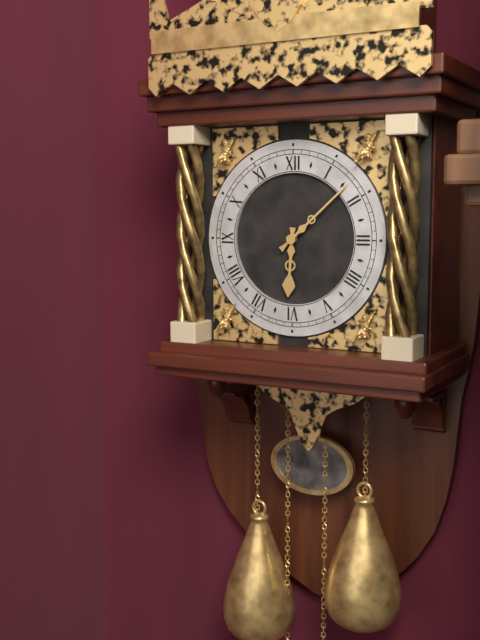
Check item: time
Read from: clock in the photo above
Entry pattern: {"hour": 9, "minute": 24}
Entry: {"hour": 6, "minute": 8}
